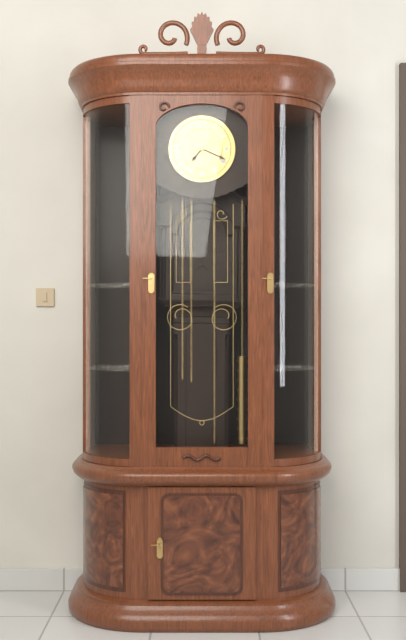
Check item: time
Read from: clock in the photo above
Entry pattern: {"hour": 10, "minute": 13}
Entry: {"hour": 7, "minute": 19}
